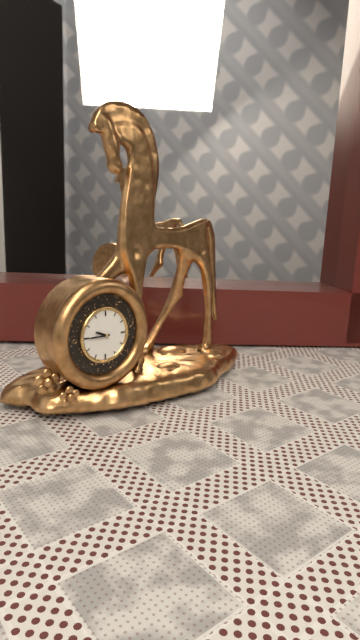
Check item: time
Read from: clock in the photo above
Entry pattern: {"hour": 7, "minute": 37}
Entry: {"hour": 9, "minute": 45}
